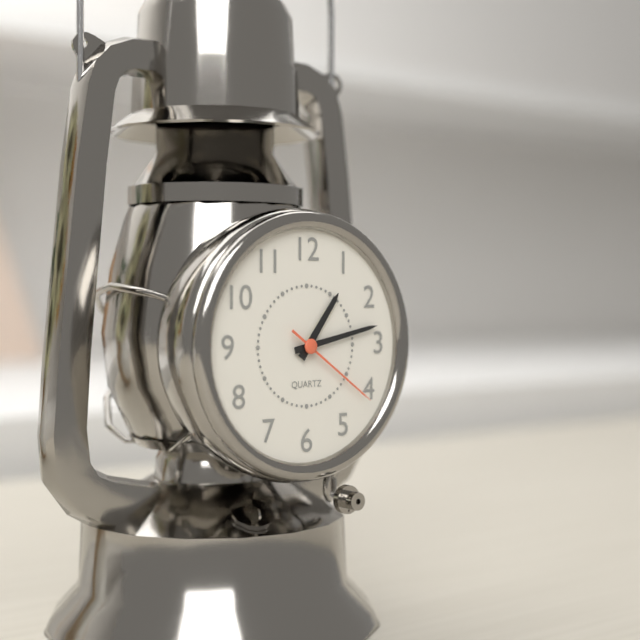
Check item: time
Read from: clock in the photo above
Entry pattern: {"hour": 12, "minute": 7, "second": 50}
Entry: {"hour": 1, "minute": 13, "second": 21}
